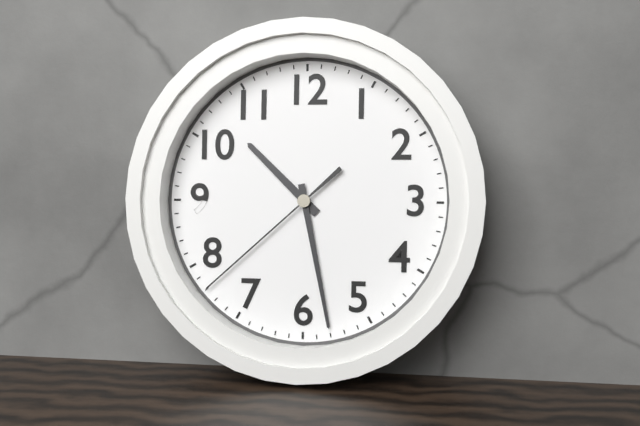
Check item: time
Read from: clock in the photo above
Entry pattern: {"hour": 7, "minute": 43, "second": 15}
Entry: {"hour": 10, "minute": 28, "second": 38}
